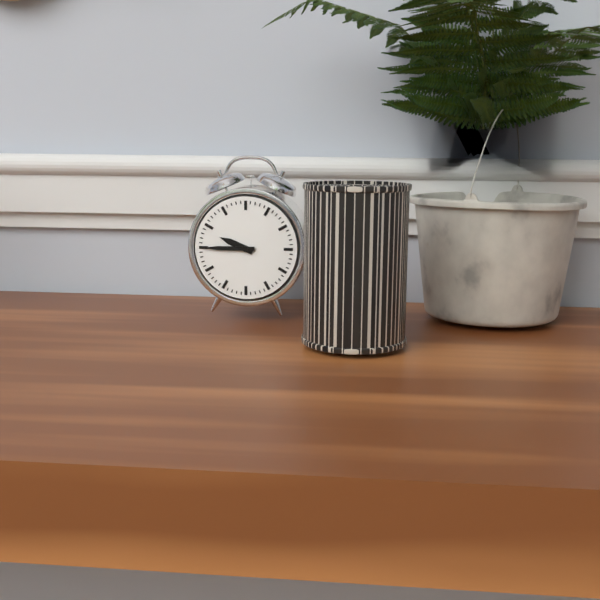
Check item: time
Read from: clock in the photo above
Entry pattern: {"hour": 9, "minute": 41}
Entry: {"hour": 9, "minute": 45}
